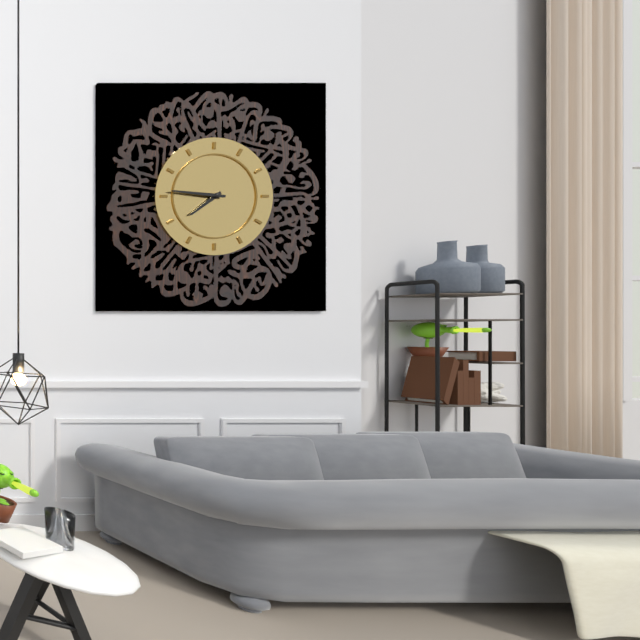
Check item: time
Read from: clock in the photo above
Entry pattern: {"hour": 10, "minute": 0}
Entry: {"hour": 7, "minute": 46}
